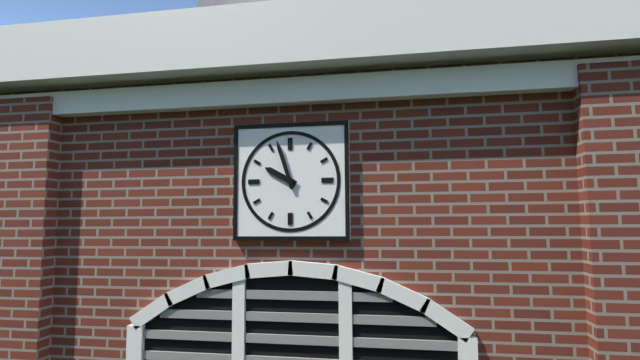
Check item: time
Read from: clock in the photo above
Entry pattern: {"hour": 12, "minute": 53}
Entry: {"hour": 9, "minute": 57}
